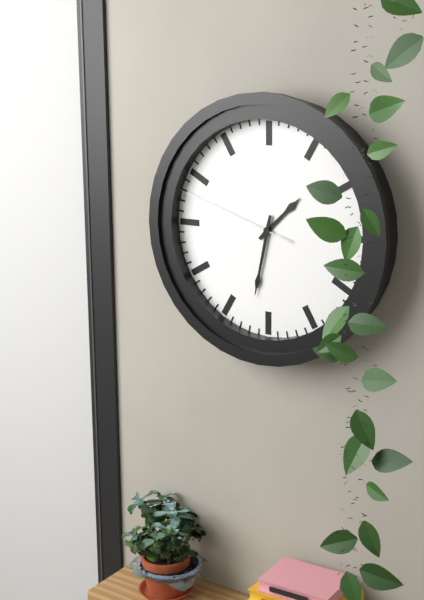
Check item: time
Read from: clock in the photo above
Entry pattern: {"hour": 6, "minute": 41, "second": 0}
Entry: {"hour": 1, "minute": 32, "second": 48}
